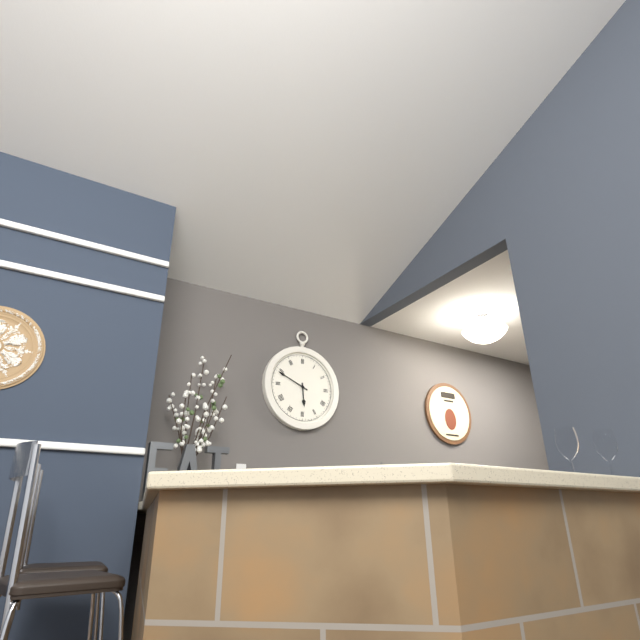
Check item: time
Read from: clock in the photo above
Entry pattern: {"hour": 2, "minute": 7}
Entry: {"hour": 5, "minute": 49}
